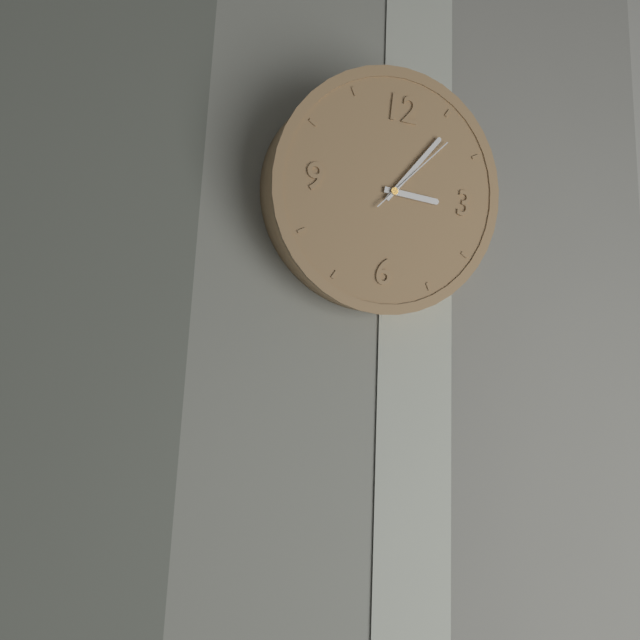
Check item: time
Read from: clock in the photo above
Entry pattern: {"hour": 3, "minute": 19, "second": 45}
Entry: {"hour": 3, "minute": 6, "second": 7}
